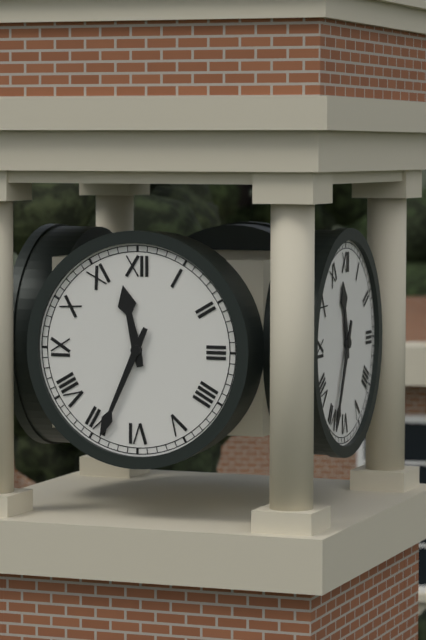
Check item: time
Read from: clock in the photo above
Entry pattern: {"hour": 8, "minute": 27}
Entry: {"hour": 11, "minute": 34}
